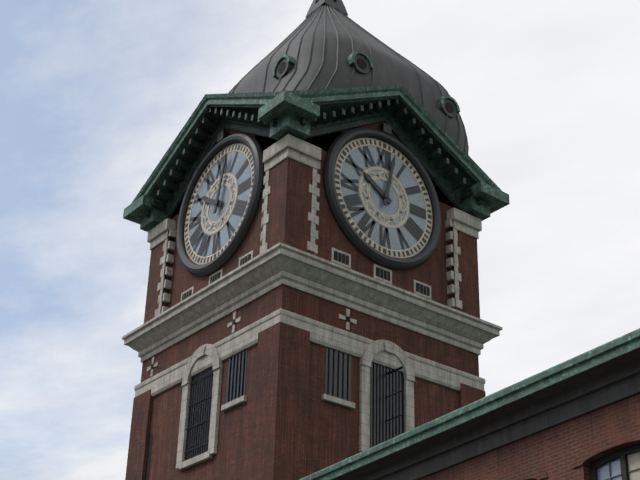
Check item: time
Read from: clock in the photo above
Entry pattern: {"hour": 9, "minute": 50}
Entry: {"hour": 10, "minute": 2}
